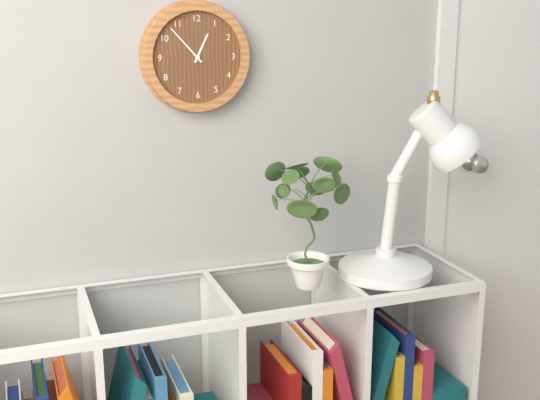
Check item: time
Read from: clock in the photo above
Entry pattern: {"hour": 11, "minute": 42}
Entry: {"hour": 12, "minute": 53}
